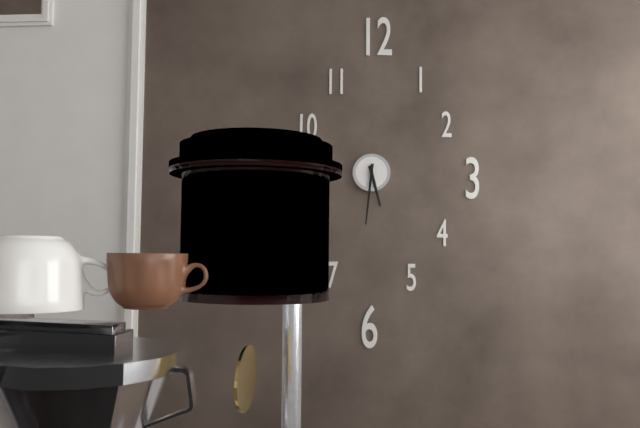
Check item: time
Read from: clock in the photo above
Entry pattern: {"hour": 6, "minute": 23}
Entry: {"hour": 5, "minute": 31}
